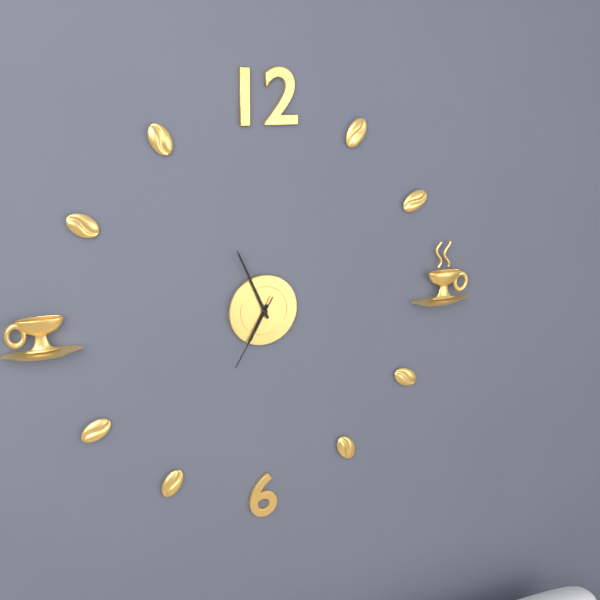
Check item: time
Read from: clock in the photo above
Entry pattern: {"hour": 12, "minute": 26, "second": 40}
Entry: {"hour": 6, "minute": 56, "second": 35}
